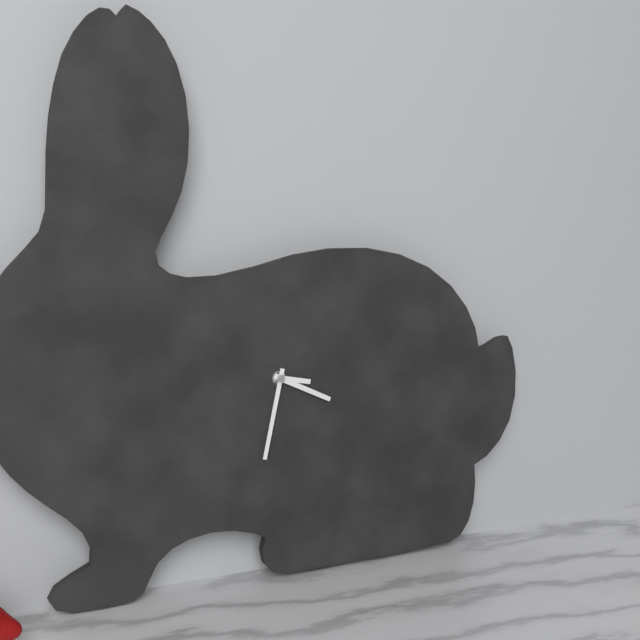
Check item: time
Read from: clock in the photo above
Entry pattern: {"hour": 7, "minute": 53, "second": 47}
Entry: {"hour": 3, "minute": 19, "second": 32}
